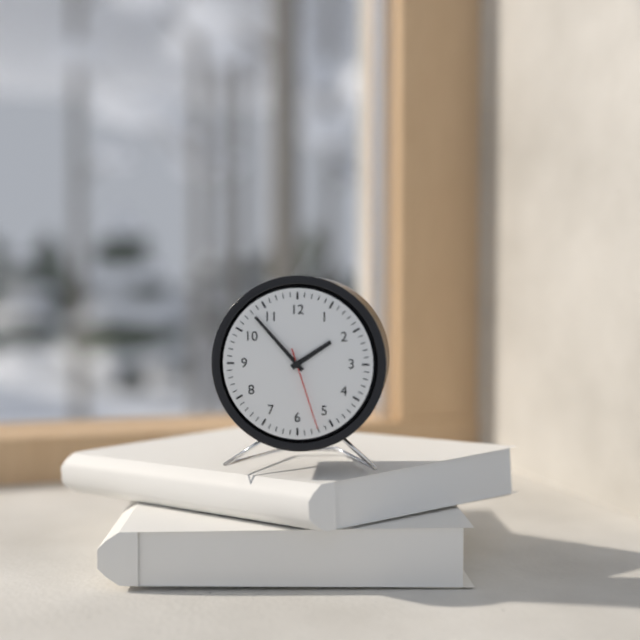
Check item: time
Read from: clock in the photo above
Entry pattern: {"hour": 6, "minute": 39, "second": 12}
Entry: {"hour": 1, "minute": 53, "second": 27}
